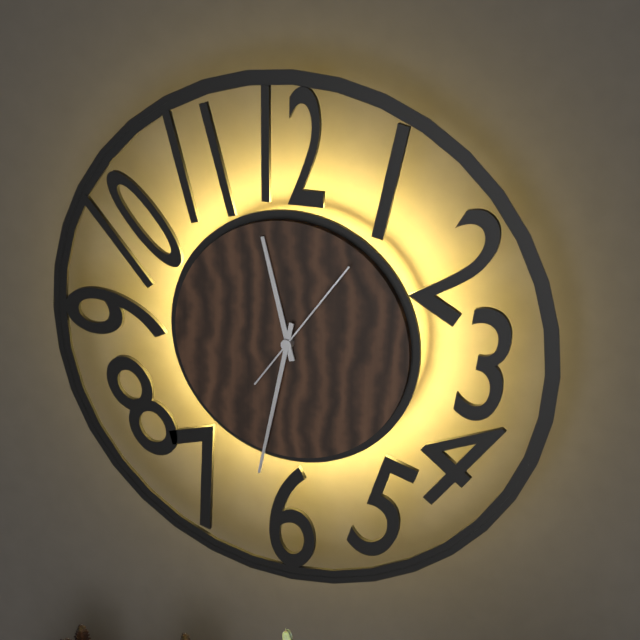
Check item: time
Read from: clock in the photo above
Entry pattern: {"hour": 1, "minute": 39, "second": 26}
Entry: {"hour": 11, "minute": 32, "second": 6}
